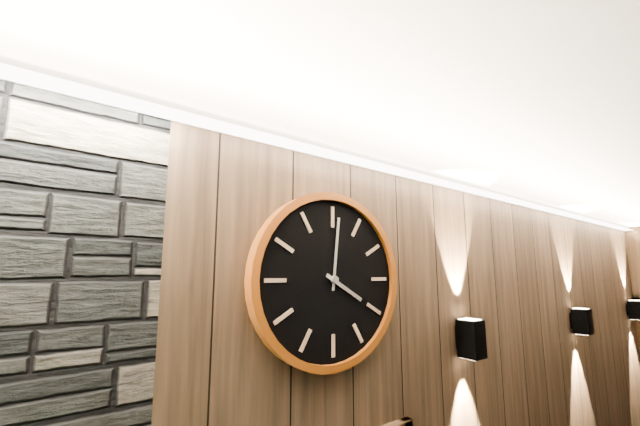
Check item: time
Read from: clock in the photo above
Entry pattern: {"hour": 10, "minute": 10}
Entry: {"hour": 4, "minute": 1}
